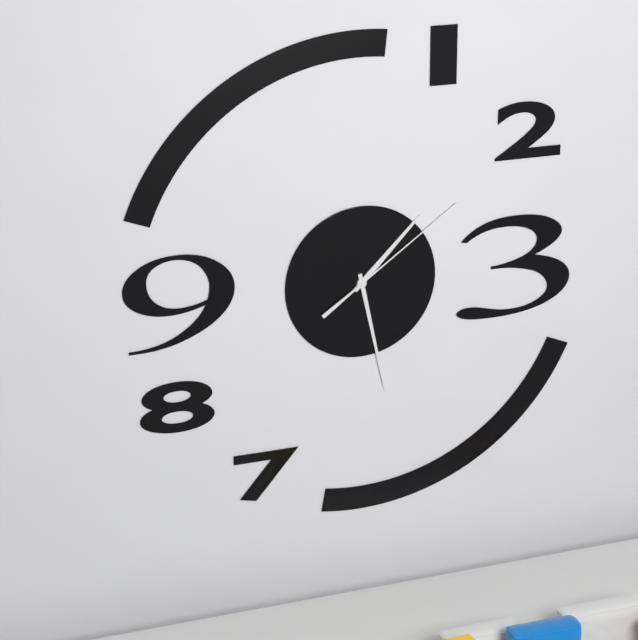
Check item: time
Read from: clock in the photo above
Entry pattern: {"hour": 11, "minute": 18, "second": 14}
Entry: {"hour": 1, "minute": 28, "second": 9}
